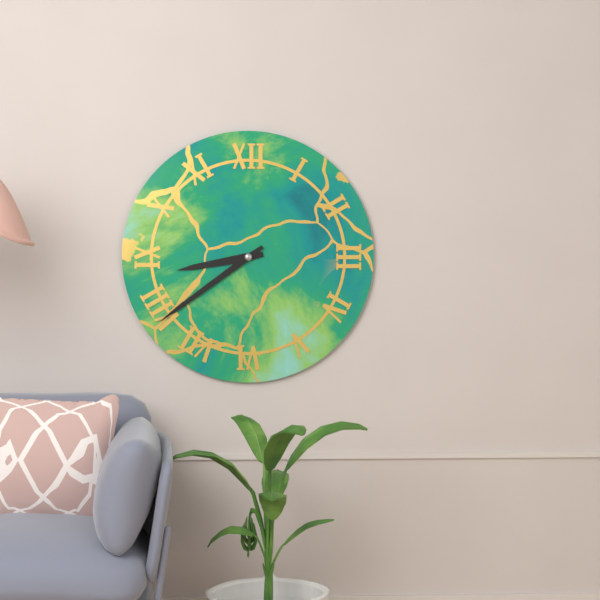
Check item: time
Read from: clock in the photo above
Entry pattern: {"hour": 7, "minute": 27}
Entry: {"hour": 8, "minute": 39}
